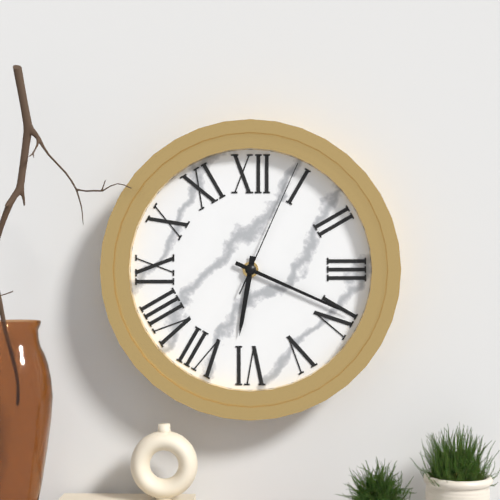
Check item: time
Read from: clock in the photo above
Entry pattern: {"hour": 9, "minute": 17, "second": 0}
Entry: {"hour": 6, "minute": 19, "second": 4}
